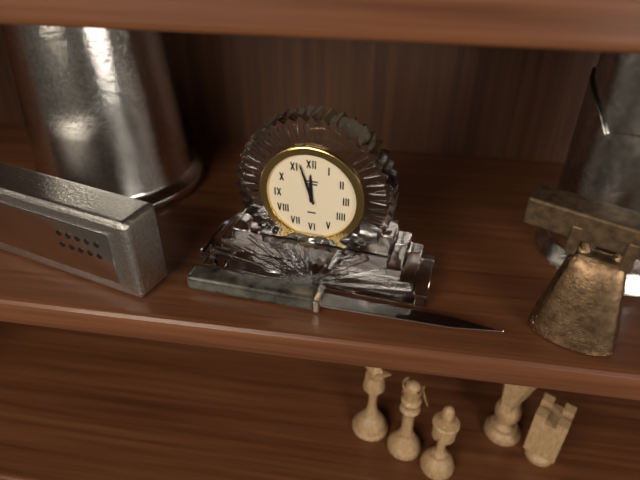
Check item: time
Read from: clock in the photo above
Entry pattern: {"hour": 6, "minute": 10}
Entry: {"hour": 11, "minute": 57}
